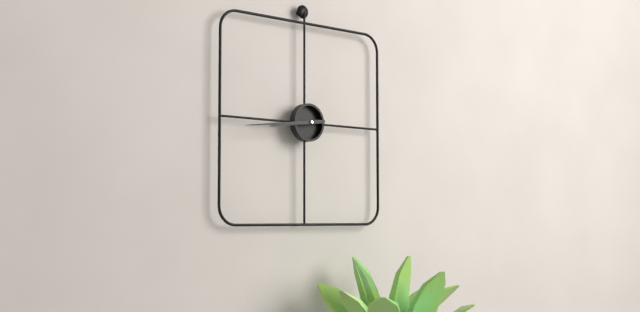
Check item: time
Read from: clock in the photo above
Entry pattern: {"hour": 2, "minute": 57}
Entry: {"hour": 8, "minute": 44}
